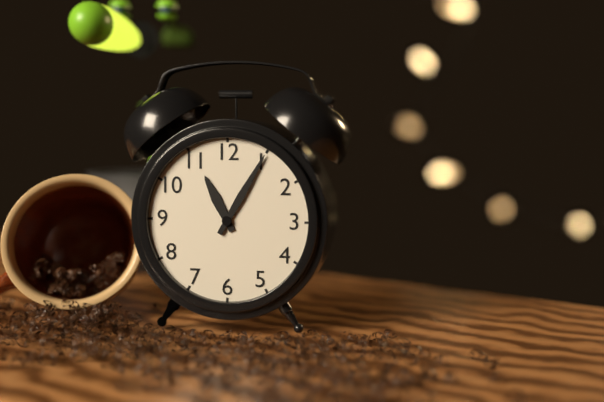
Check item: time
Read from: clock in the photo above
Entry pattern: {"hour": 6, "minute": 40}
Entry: {"hour": 11, "minute": 5}
